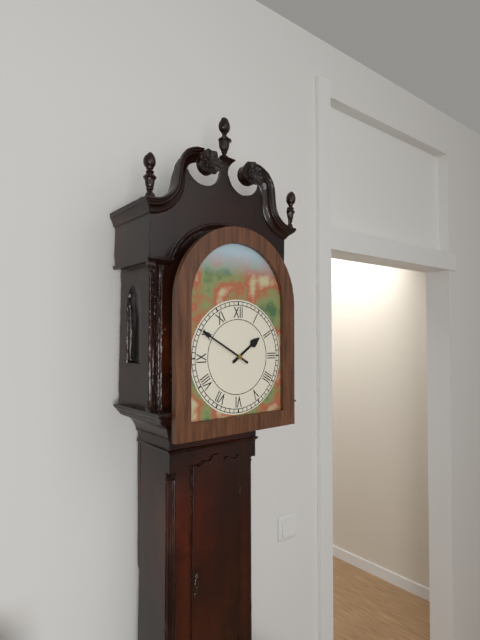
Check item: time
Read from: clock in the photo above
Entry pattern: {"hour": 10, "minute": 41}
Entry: {"hour": 1, "minute": 50}
